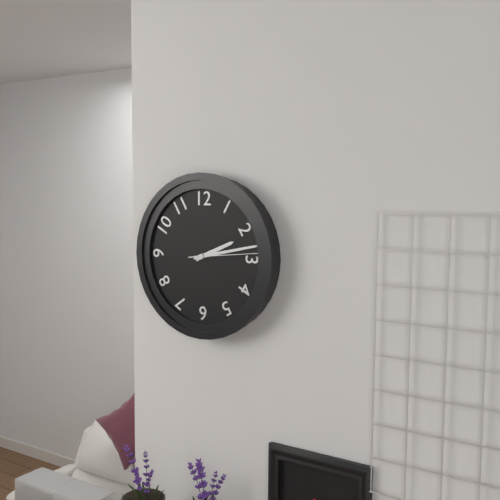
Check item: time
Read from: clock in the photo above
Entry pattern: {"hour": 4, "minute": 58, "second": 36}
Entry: {"hour": 2, "minute": 13, "second": 14}
